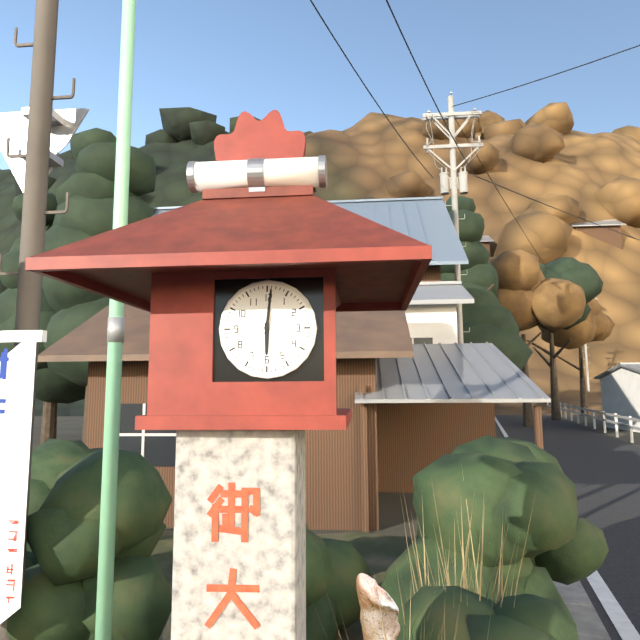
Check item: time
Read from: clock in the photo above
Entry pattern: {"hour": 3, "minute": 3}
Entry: {"hour": 6, "minute": 1}
